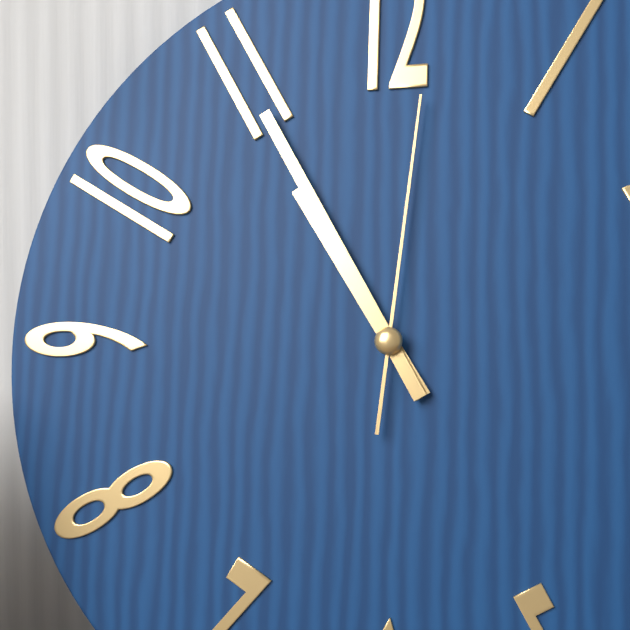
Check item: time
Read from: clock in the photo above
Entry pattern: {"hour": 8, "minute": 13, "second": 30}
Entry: {"hour": 10, "minute": 55, "second": 1}
